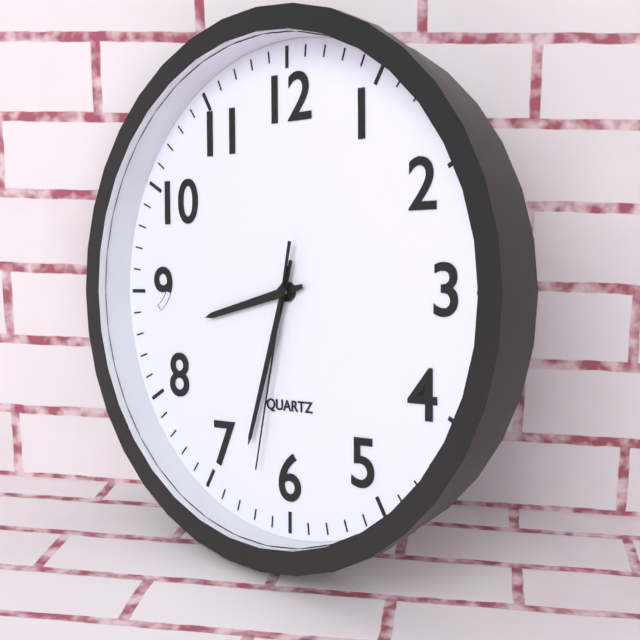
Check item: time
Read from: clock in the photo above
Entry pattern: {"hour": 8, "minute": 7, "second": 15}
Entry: {"hour": 8, "minute": 33, "second": 32}
